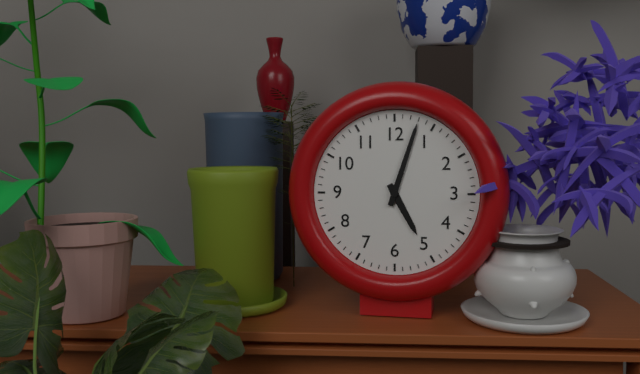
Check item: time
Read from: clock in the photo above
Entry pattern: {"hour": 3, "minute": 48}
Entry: {"hour": 5, "minute": 3}
